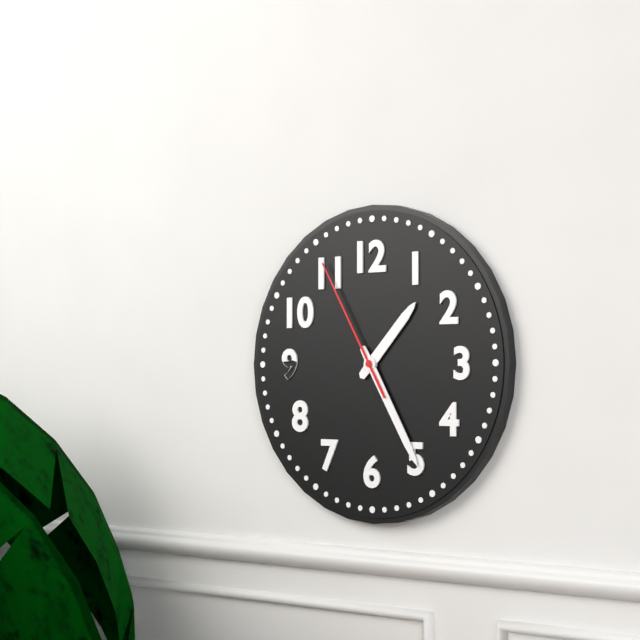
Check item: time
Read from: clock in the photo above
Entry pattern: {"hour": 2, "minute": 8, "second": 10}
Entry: {"hour": 1, "minute": 25, "second": 55}
